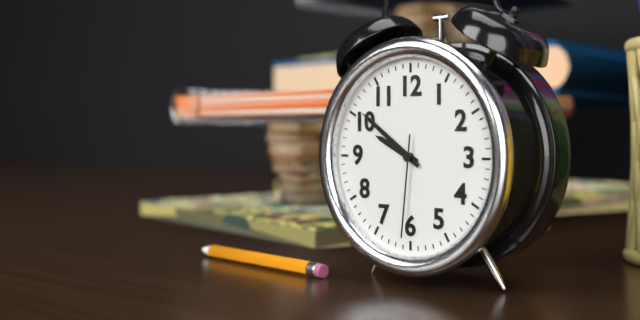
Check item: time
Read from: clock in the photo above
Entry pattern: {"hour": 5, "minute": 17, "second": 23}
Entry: {"hour": 9, "minute": 51, "second": 31}
